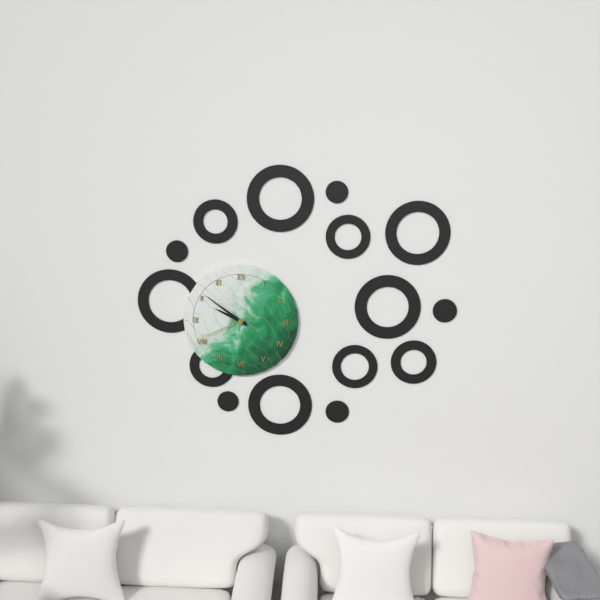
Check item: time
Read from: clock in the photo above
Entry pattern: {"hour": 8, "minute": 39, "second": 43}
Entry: {"hour": 9, "minute": 51, "second": 41}
